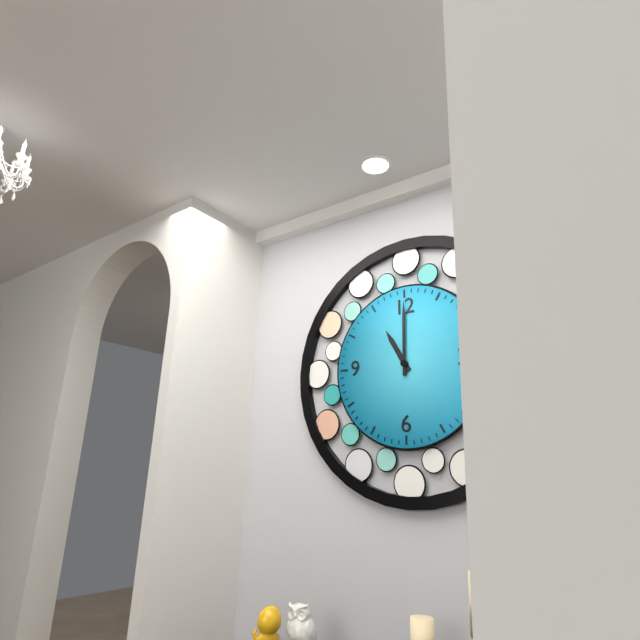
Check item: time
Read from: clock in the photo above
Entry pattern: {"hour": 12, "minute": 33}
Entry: {"hour": 11, "minute": 0}
